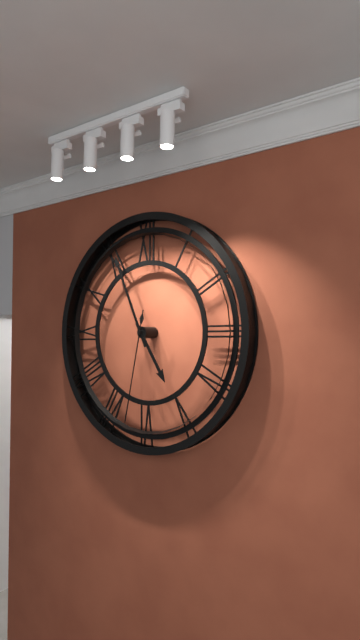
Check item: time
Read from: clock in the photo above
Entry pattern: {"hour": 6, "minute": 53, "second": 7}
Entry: {"hour": 4, "minute": 56, "second": 32}
